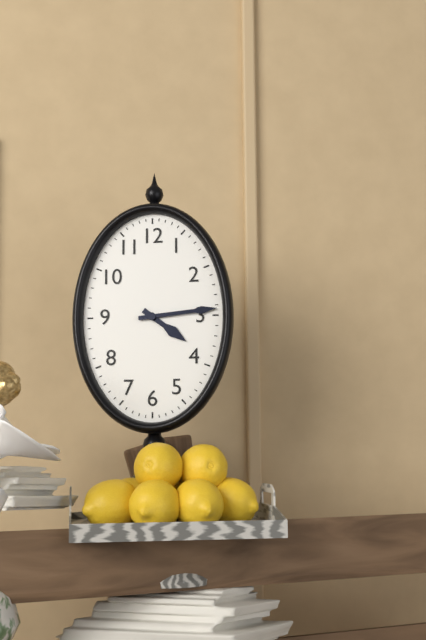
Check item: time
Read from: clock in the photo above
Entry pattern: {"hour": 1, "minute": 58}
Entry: {"hour": 4, "minute": 14}
